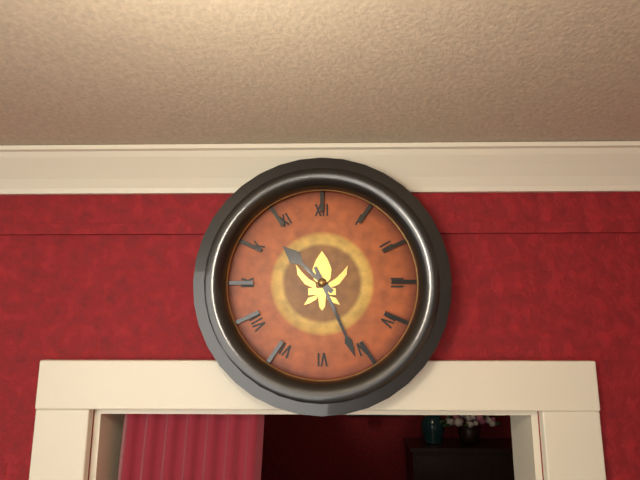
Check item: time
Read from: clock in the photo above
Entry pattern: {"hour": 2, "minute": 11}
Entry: {"hour": 10, "minute": 26}
